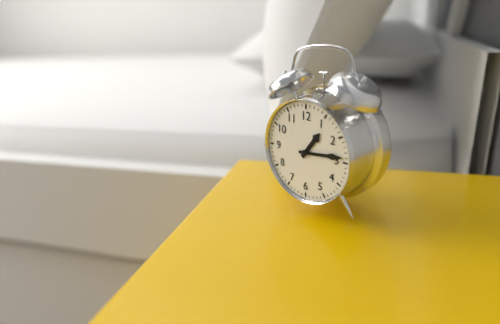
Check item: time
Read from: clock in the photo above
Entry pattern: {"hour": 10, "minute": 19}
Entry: {"hour": 1, "minute": 14}
